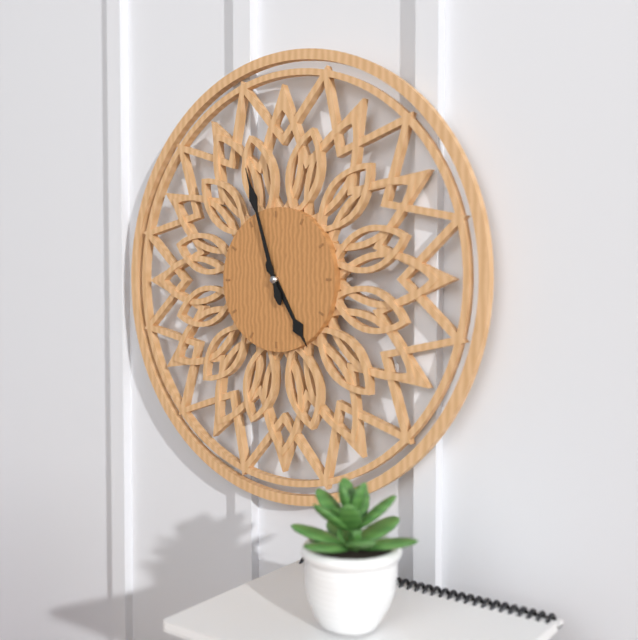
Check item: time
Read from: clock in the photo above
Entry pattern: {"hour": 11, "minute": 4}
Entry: {"hour": 4, "minute": 57}
